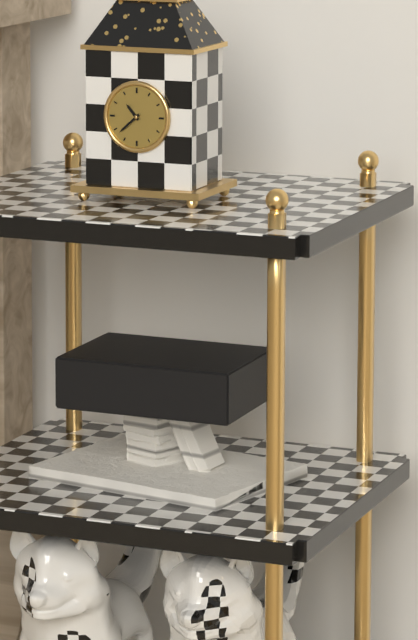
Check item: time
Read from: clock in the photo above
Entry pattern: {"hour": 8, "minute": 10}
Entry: {"hour": 10, "minute": 38}
